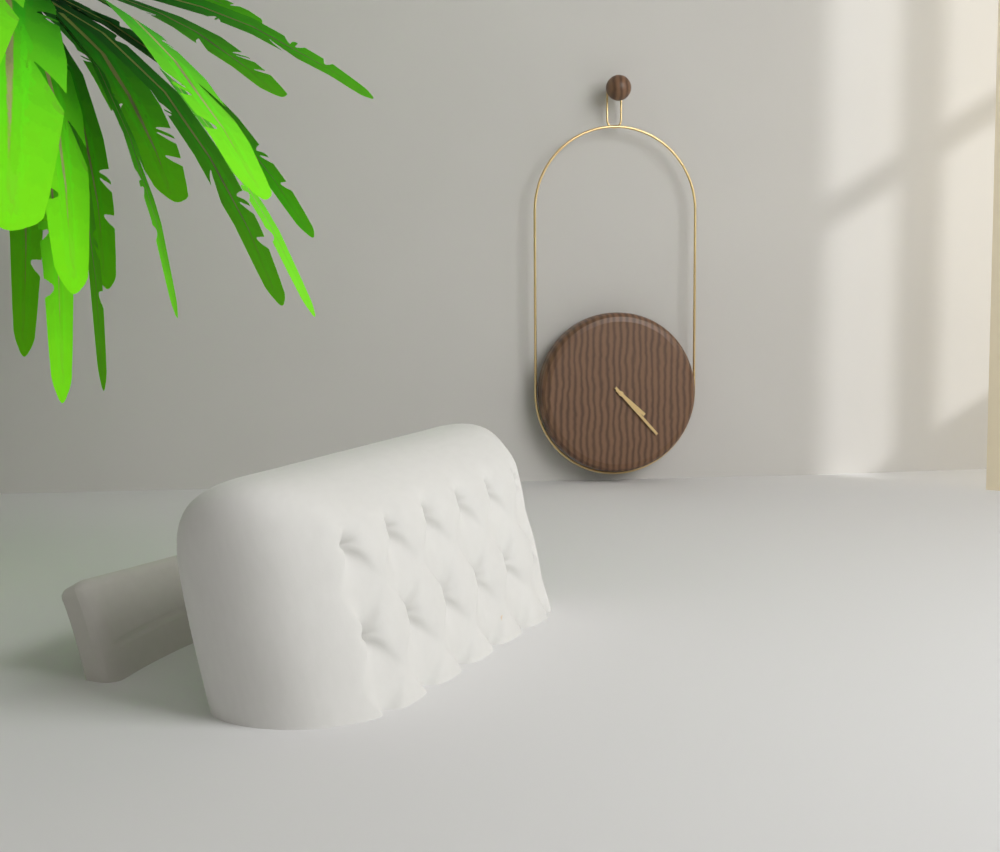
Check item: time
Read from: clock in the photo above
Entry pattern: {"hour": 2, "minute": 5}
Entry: {"hour": 4, "minute": 23}
